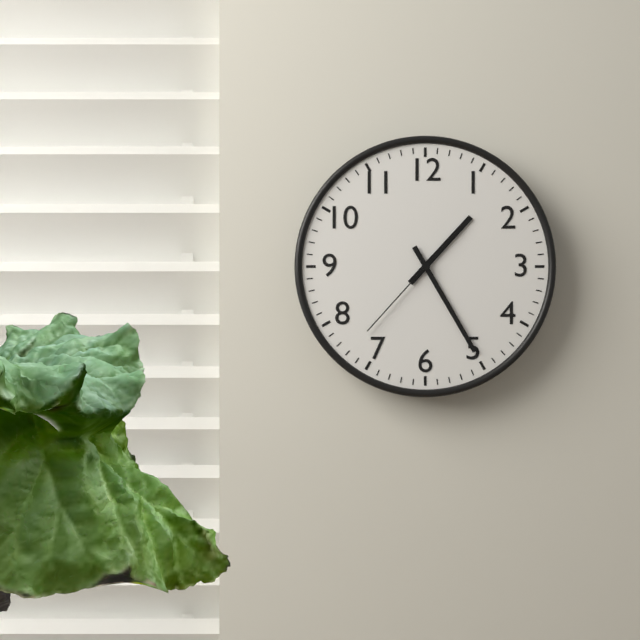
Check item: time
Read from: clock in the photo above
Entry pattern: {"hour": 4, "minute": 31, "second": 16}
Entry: {"hour": 1, "minute": 25, "second": 37}
